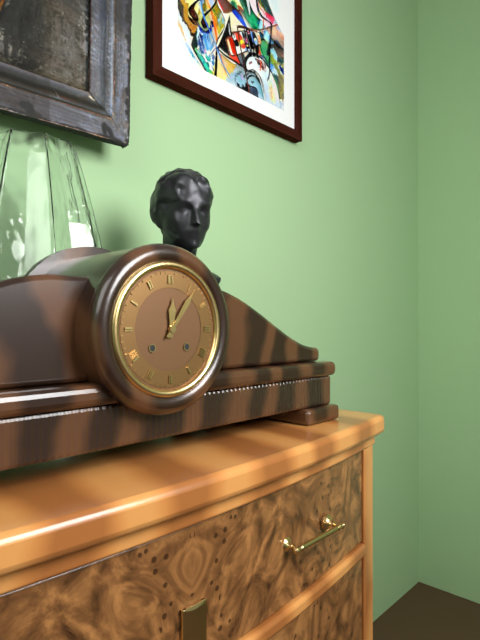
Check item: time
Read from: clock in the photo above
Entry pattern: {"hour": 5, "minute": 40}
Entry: {"hour": 12, "minute": 6}
